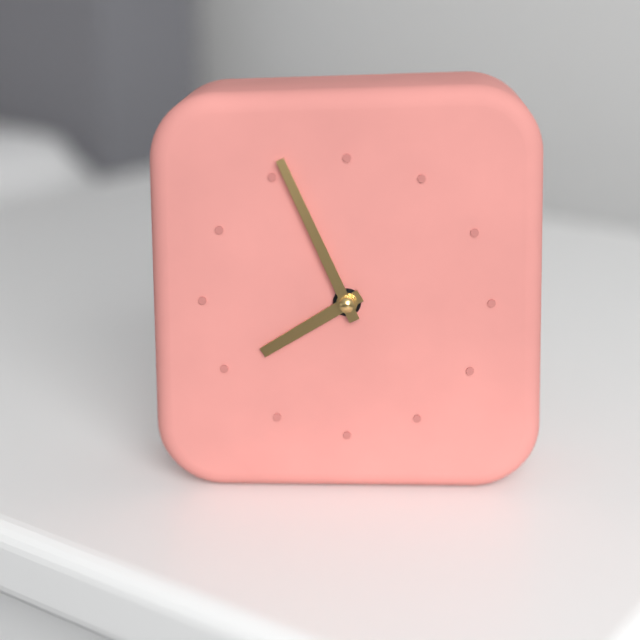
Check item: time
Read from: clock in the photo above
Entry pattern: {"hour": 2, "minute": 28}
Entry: {"hour": 7, "minute": 56}
